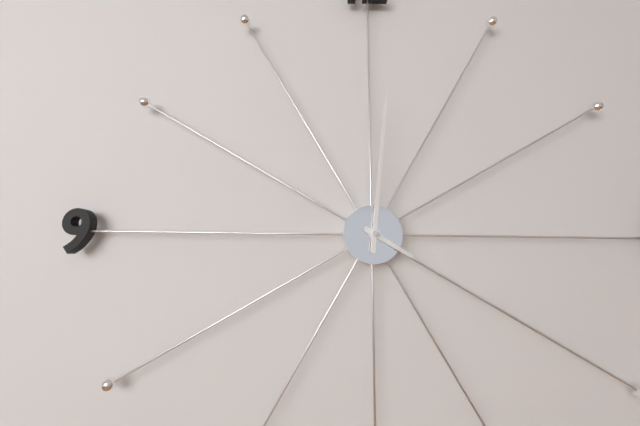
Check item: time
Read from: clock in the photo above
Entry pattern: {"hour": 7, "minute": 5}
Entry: {"hour": 4, "minute": 1}
